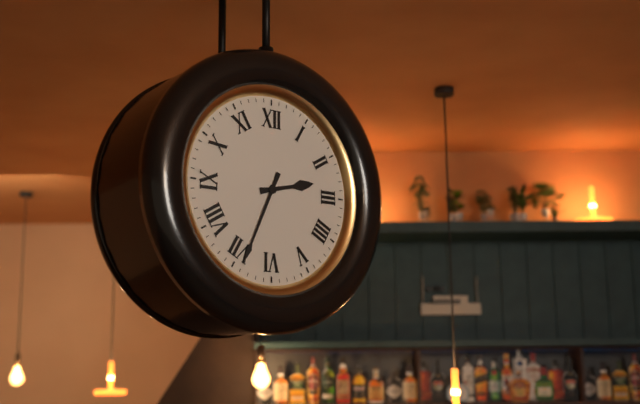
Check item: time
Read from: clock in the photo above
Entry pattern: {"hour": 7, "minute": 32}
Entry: {"hour": 2, "minute": 34}
